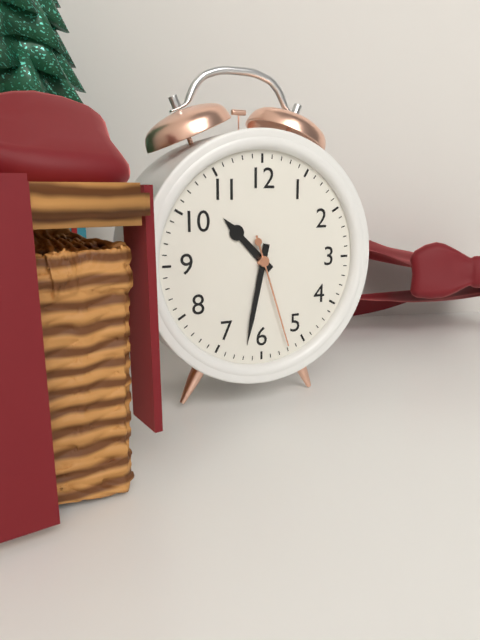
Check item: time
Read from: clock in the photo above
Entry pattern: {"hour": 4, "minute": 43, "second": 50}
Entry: {"hour": 10, "minute": 32, "second": 27}
